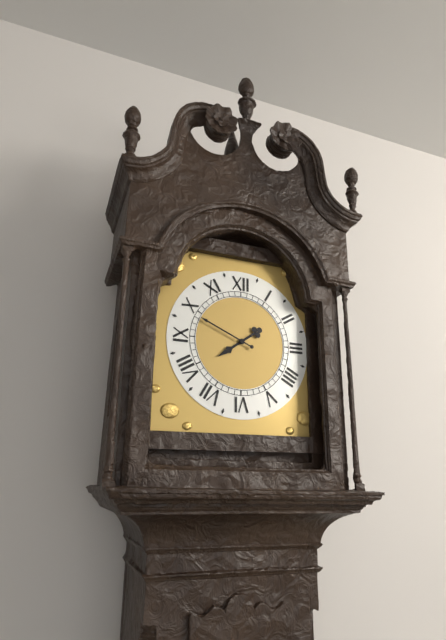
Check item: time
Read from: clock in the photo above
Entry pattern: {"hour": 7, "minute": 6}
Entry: {"hour": 7, "minute": 49}
